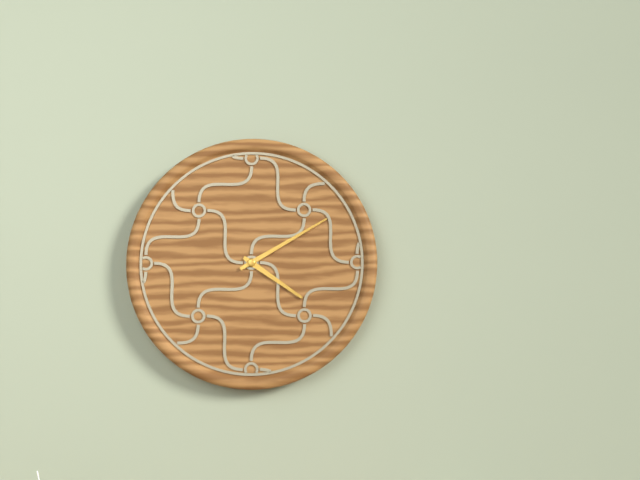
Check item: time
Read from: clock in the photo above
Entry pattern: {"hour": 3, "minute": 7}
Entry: {"hour": 4, "minute": 10}
